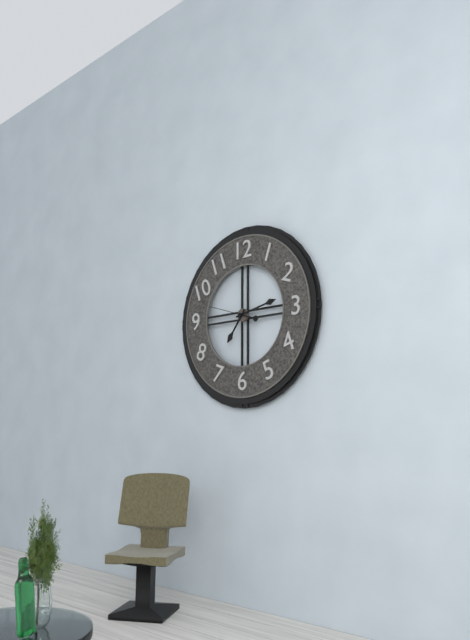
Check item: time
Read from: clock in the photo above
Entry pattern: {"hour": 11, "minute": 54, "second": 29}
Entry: {"hour": 7, "minute": 13, "second": 48}
